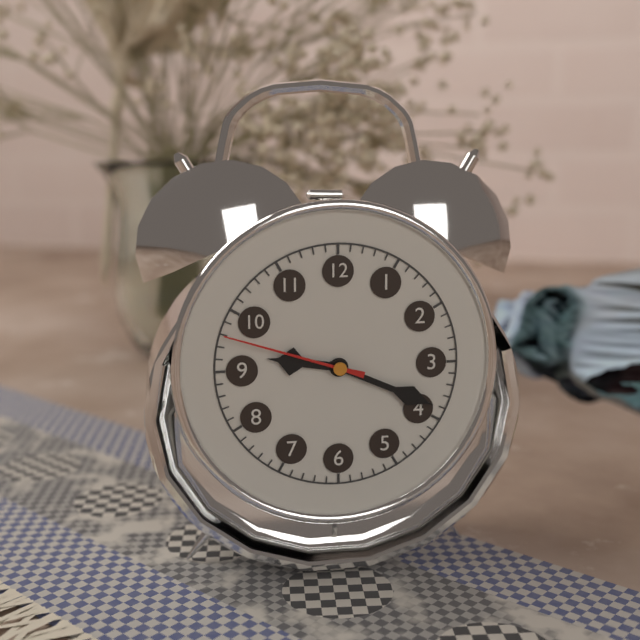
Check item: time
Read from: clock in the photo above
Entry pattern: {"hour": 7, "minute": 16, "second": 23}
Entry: {"hour": 9, "minute": 19, "second": 48}
